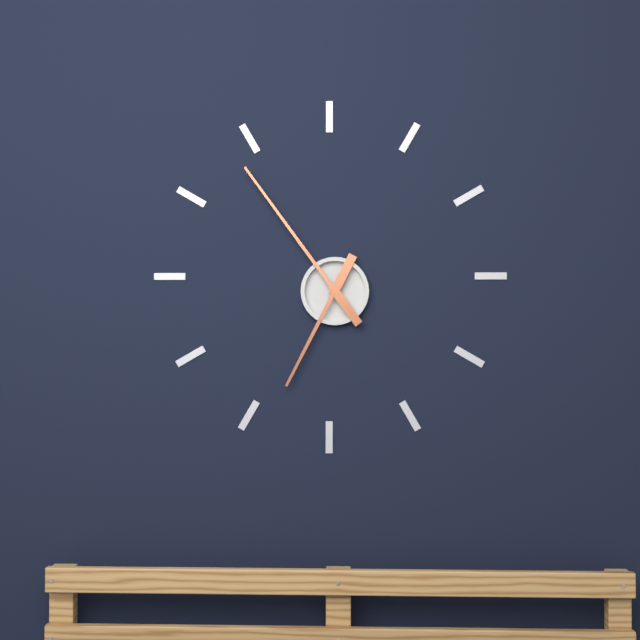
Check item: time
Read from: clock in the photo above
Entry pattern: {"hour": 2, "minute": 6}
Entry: {"hour": 6, "minute": 54}
